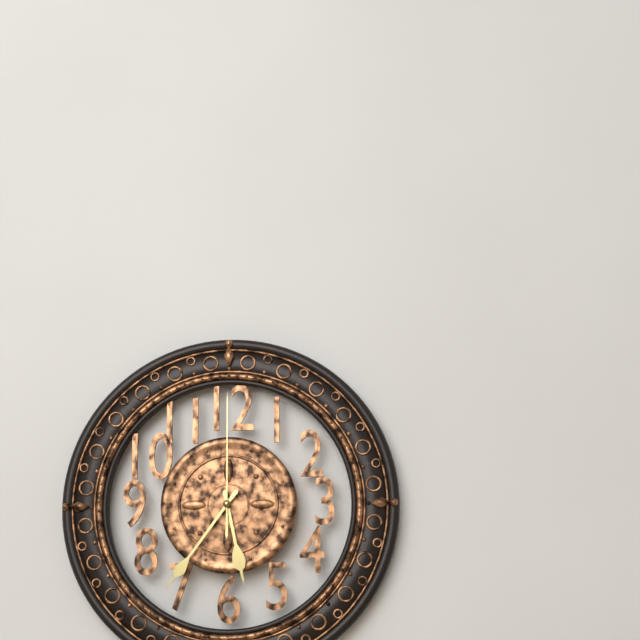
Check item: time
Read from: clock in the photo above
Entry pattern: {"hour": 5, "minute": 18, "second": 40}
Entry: {"hour": 5, "minute": 36, "second": 0}
